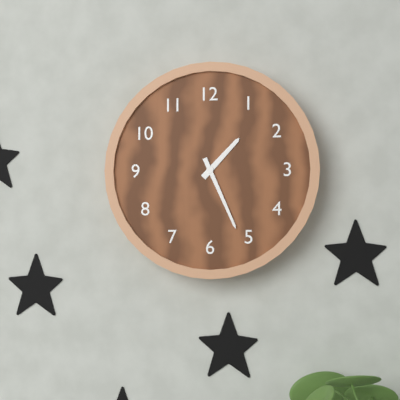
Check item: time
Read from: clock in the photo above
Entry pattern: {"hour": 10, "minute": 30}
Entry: {"hour": 1, "minute": 26}
